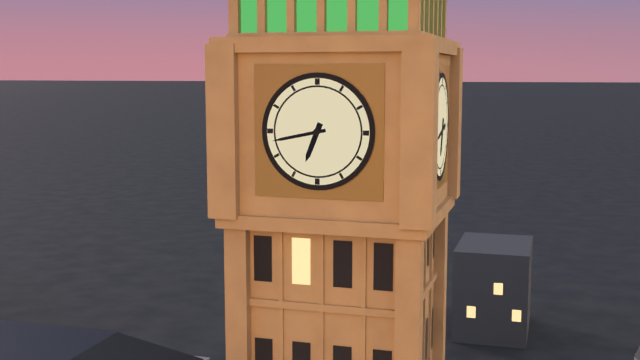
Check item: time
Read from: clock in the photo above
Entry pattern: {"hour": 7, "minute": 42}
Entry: {"hour": 6, "minute": 43}
